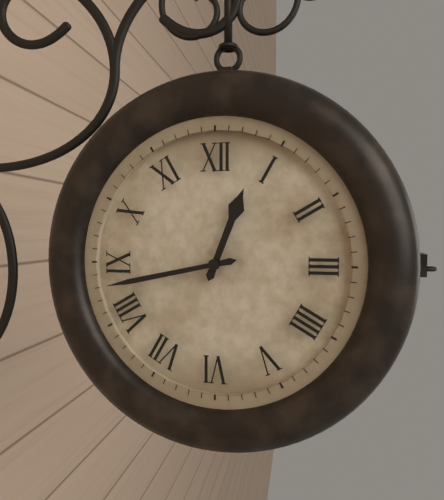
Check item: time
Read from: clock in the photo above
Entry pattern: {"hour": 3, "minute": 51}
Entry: {"hour": 12, "minute": 43}
